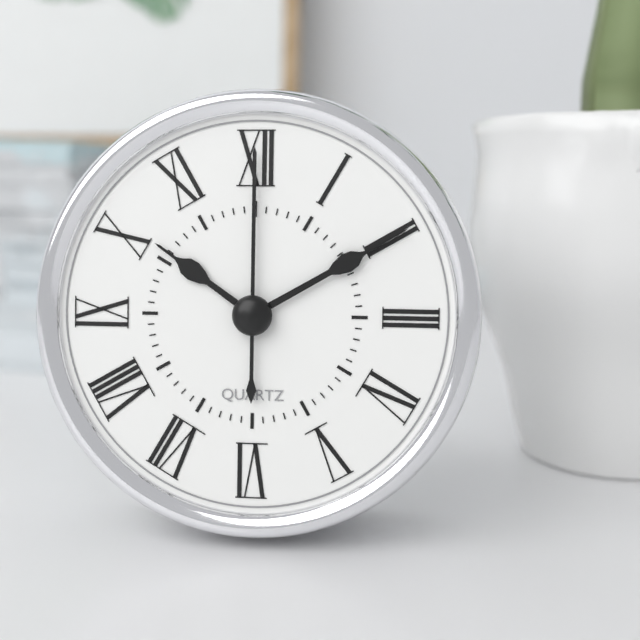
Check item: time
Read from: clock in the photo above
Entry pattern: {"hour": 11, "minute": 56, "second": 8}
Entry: {"hour": 10, "minute": 10, "second": 0}
